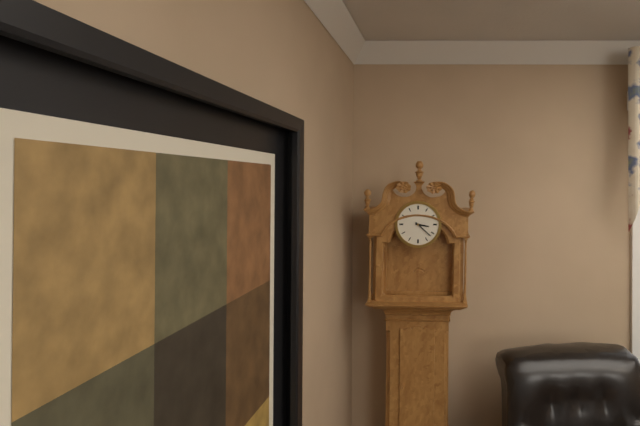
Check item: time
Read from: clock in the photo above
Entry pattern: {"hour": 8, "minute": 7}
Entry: {"hour": 3, "minute": 22}
